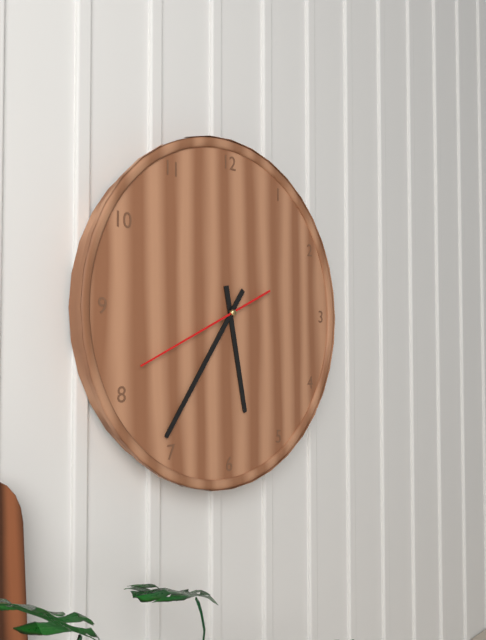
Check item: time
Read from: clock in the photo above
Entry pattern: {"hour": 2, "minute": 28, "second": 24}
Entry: {"hour": 5, "minute": 36, "second": 41}
